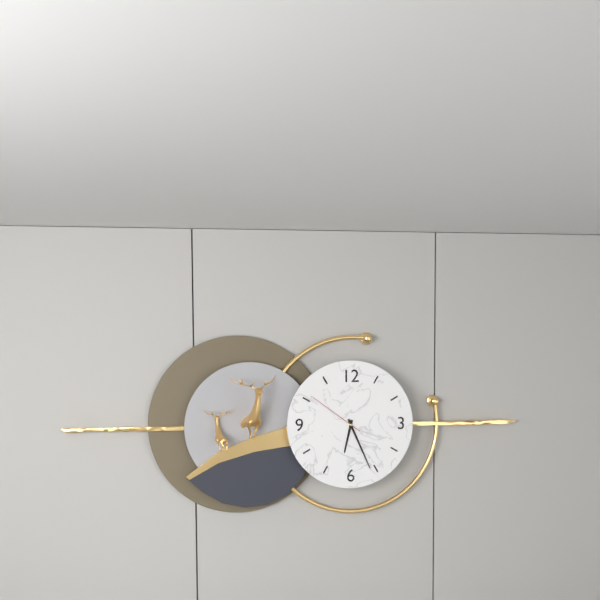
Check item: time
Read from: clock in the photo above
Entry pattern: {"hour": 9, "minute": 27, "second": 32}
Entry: {"hour": 6, "minute": 26, "second": 51}
